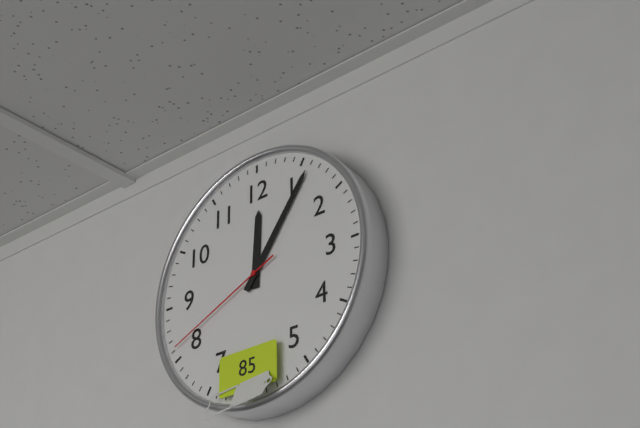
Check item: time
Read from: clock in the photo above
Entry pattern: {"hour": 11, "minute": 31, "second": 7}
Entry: {"hour": 12, "minute": 6, "second": 41}
